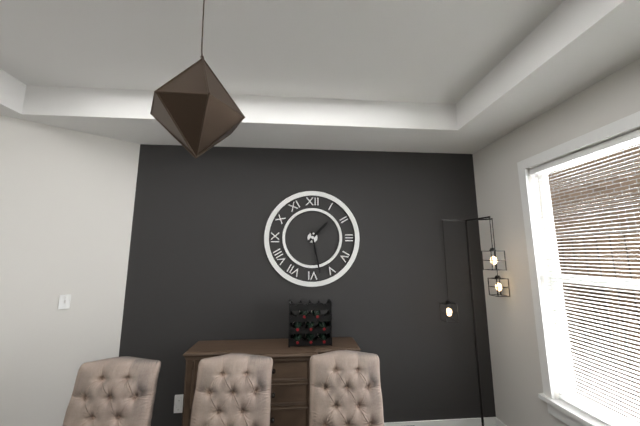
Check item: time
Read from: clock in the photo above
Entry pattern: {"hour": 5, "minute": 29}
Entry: {"hour": 1, "minute": 28}
